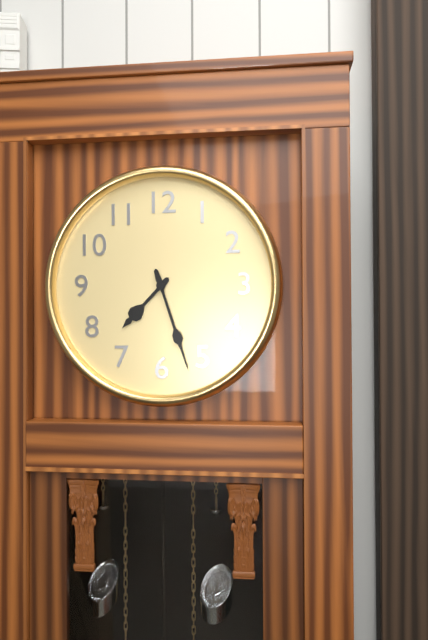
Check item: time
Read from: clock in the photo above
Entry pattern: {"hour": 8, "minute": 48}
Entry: {"hour": 7, "minute": 27}
